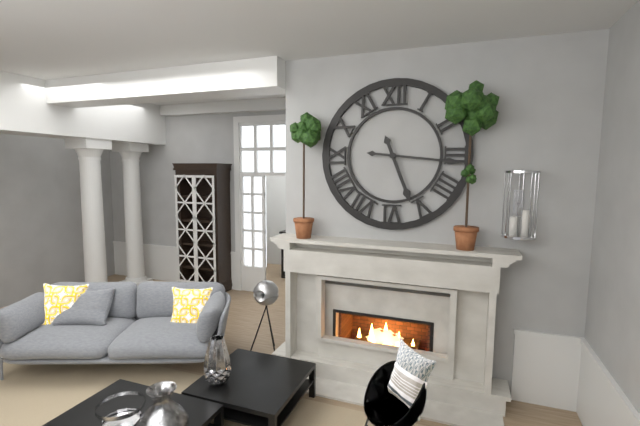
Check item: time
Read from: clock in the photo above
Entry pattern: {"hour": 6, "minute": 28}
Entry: {"hour": 5, "minute": 16}
